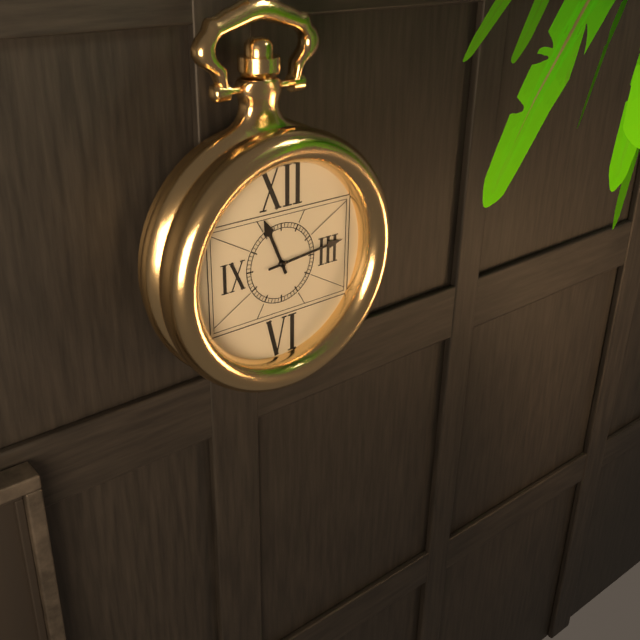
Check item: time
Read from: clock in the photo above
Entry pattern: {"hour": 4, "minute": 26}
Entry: {"hour": 11, "minute": 14}
